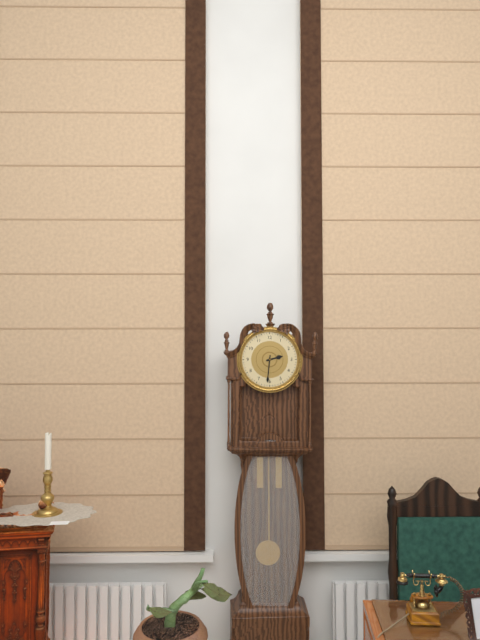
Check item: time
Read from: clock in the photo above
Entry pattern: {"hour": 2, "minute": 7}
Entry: {"hour": 2, "minute": 31}
